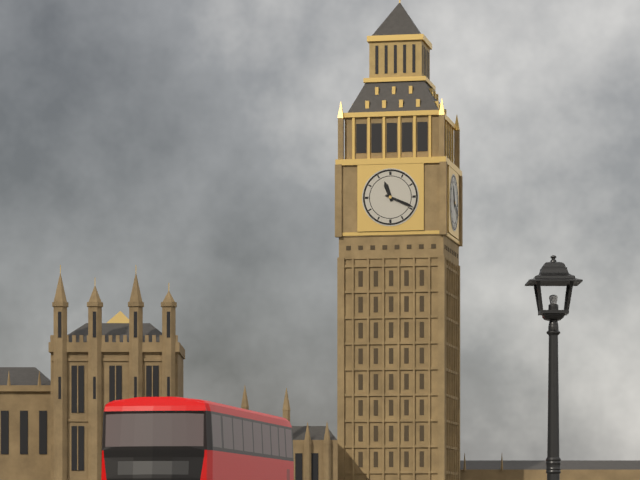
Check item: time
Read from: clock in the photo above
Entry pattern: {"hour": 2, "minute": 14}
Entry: {"hour": 11, "minute": 19}
